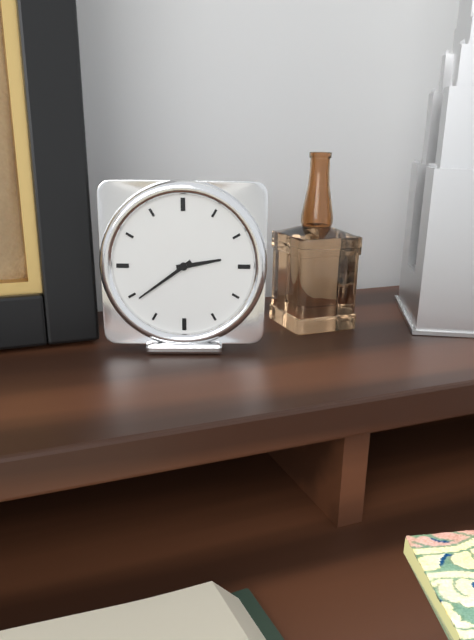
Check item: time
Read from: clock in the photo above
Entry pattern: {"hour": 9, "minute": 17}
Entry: {"hour": 2, "minute": 39}
